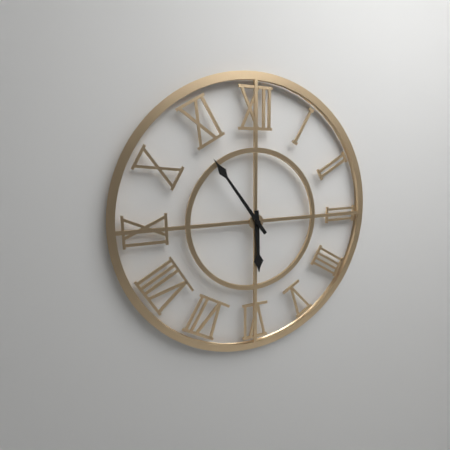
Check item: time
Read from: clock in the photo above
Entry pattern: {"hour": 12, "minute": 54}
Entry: {"hour": 5, "minute": 54}
